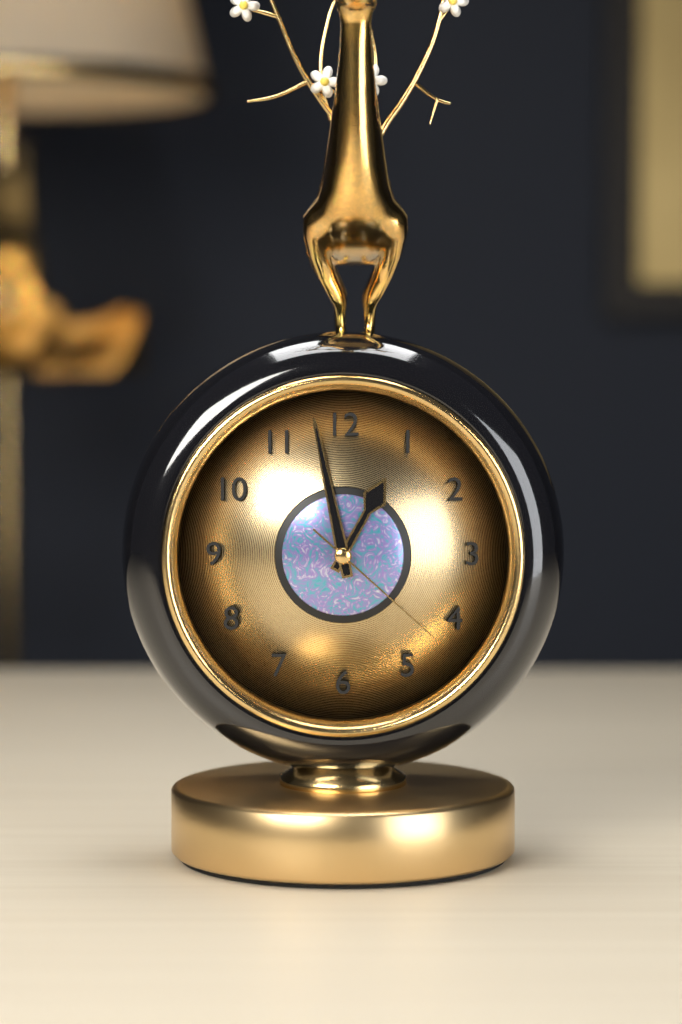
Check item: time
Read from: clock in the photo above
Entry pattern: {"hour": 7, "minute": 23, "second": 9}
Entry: {"hour": 12, "minute": 58, "second": 22}
